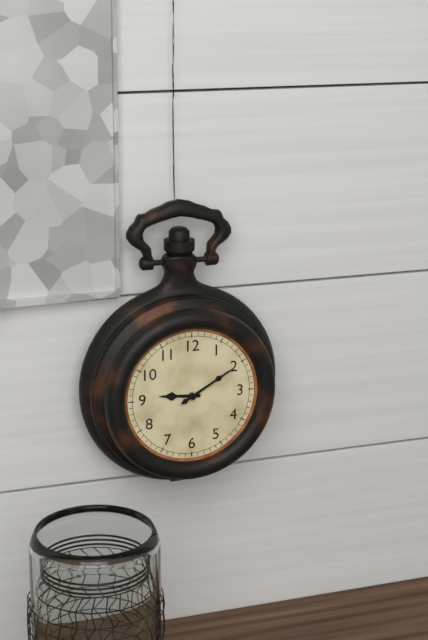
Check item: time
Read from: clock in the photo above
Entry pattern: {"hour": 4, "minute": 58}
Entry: {"hour": 9, "minute": 10}
